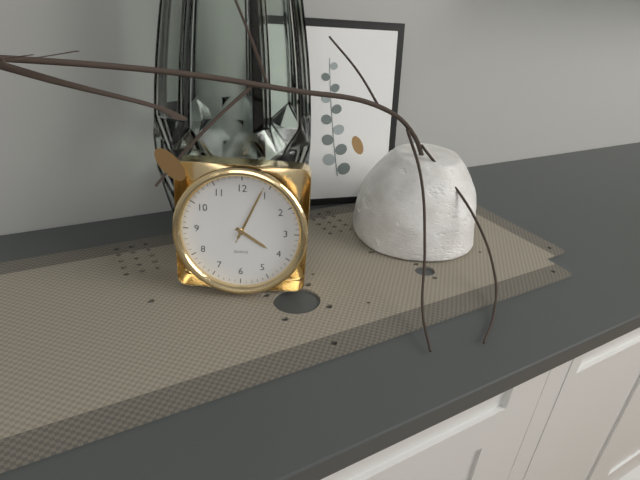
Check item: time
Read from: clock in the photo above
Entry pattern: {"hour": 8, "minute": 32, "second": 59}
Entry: {"hour": 4, "minute": 4, "second": 4}
